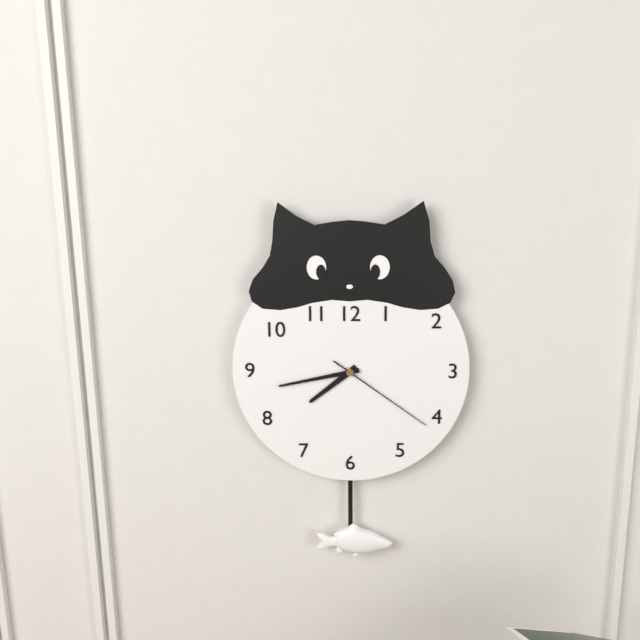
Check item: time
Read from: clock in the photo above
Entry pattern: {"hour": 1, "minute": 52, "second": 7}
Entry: {"hour": 7, "minute": 43, "second": 21}
